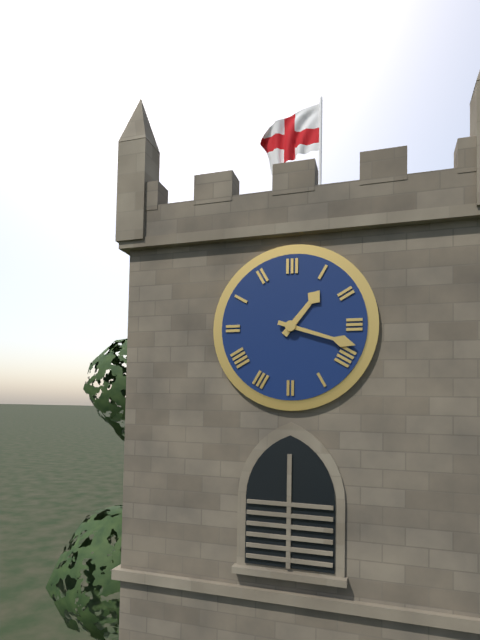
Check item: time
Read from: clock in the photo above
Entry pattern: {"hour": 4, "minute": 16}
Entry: {"hour": 1, "minute": 18}
